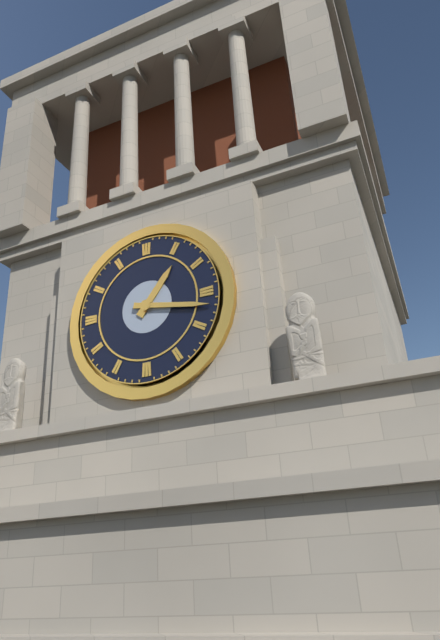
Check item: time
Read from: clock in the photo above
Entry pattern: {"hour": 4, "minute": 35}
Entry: {"hour": 1, "minute": 17}
